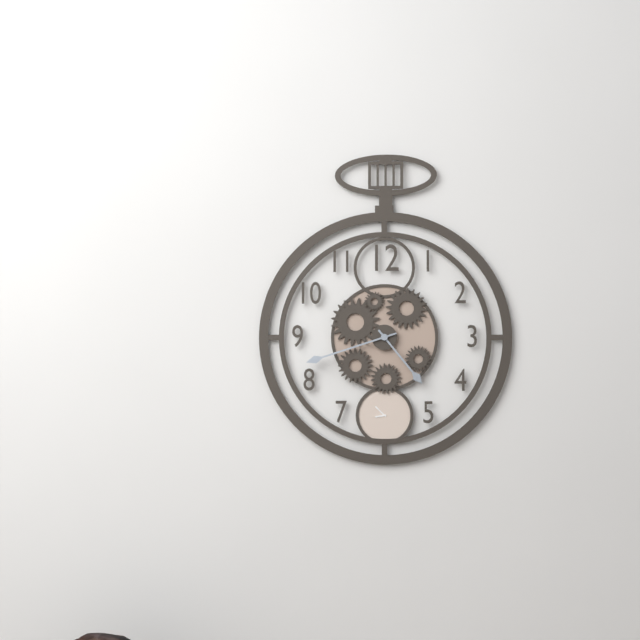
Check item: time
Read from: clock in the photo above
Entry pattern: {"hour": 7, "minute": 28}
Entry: {"hour": 4, "minute": 42}
